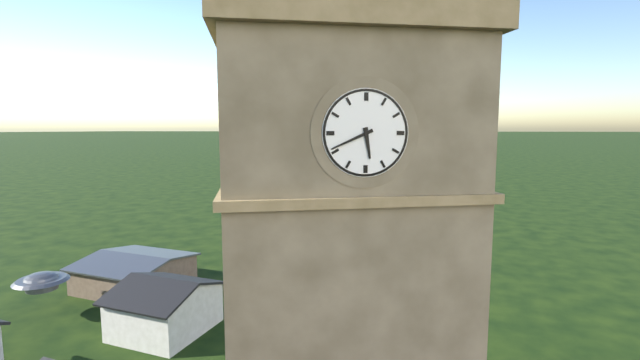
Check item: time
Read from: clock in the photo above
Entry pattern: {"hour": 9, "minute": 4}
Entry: {"hour": 5, "minute": 41}
